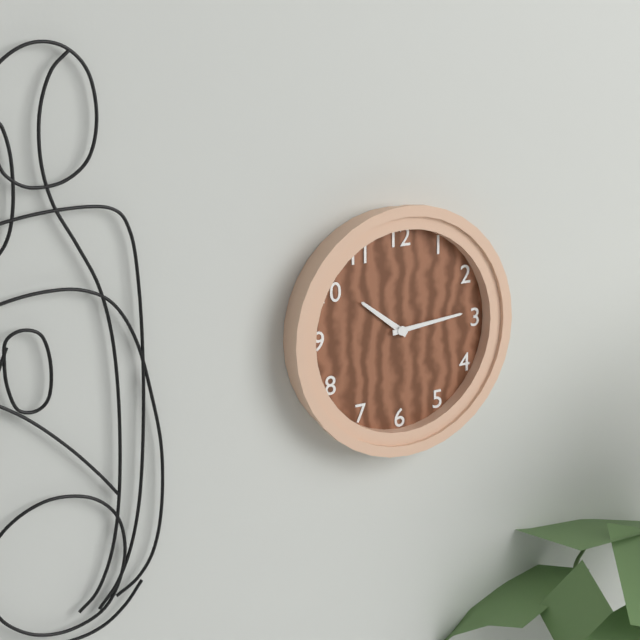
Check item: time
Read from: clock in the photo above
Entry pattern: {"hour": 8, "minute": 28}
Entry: {"hour": 10, "minute": 14}
